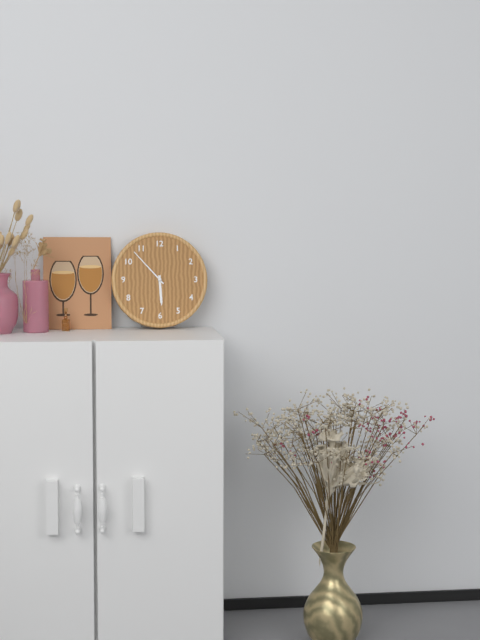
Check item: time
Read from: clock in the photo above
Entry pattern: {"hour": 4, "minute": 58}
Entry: {"hour": 5, "minute": 53}
